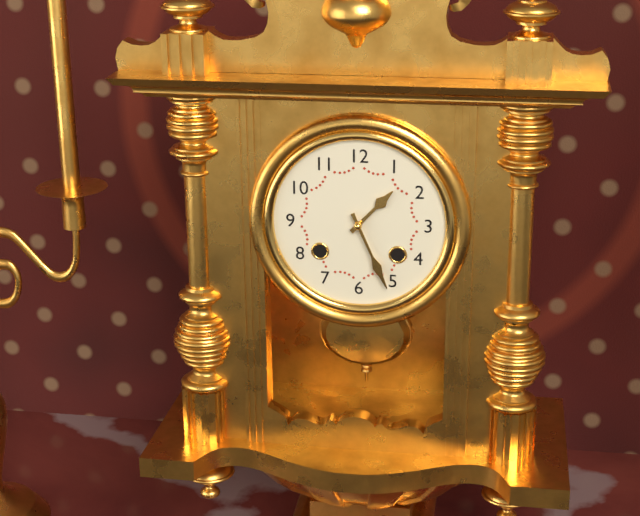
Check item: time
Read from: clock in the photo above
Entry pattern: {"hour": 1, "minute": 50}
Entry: {"hour": 1, "minute": 26}
